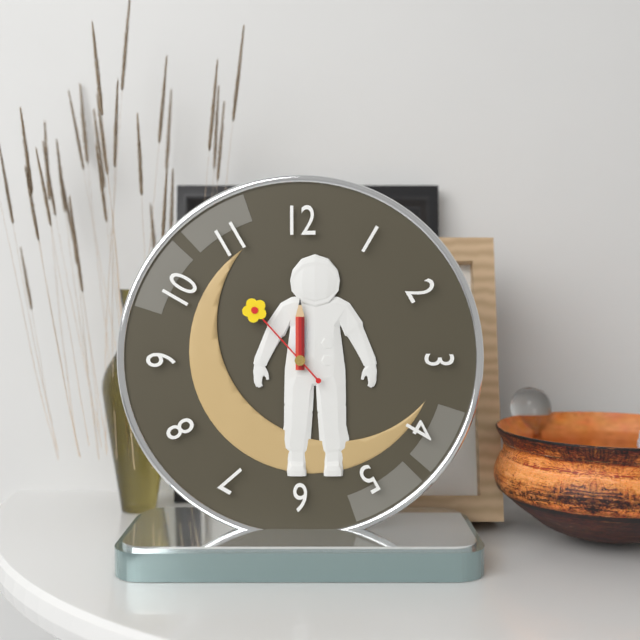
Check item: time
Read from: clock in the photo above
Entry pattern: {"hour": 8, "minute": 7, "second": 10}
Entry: {"hour": 12, "minute": 0, "second": 53}
